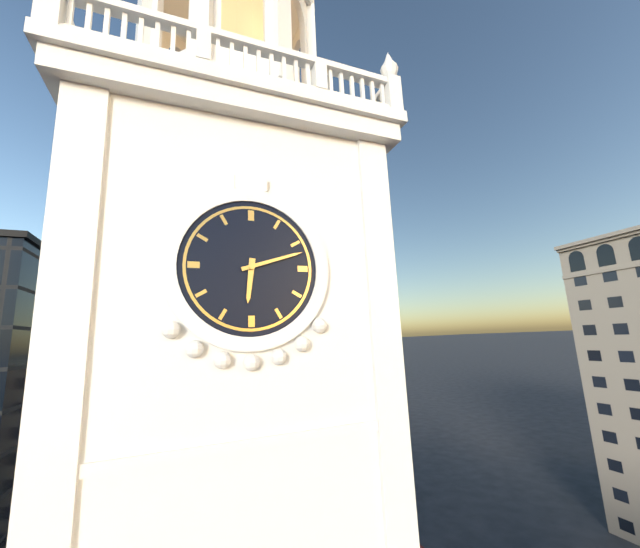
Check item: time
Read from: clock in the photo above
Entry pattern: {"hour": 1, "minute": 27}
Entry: {"hour": 6, "minute": 12}
